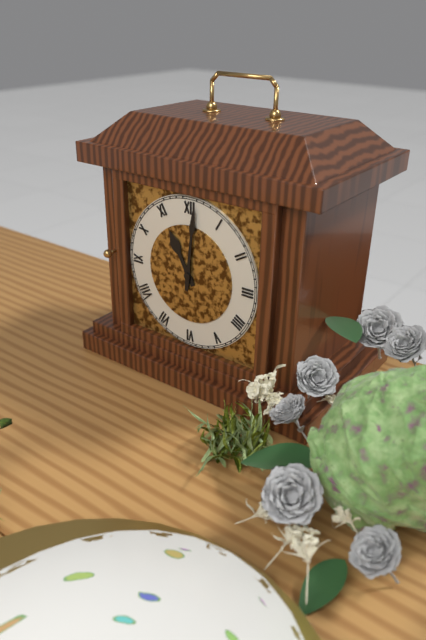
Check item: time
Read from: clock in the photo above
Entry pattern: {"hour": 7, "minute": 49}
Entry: {"hour": 11, "minute": 1}
